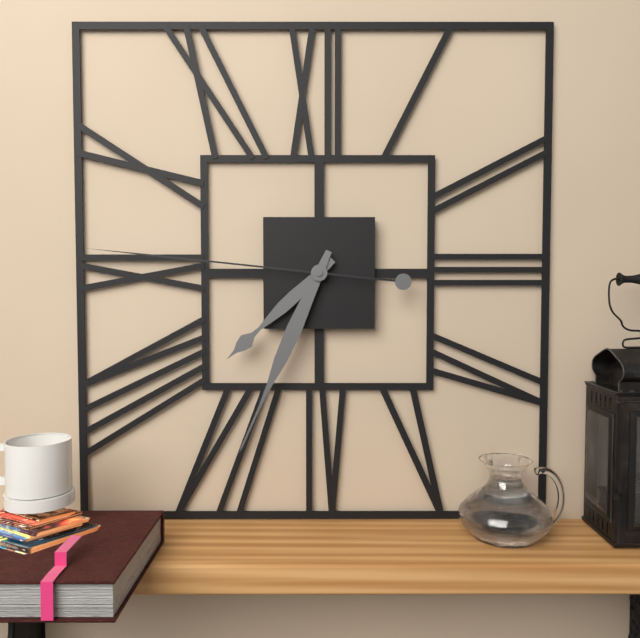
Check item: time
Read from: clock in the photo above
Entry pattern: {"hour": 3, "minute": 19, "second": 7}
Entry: {"hour": 7, "minute": 34, "second": 46}
